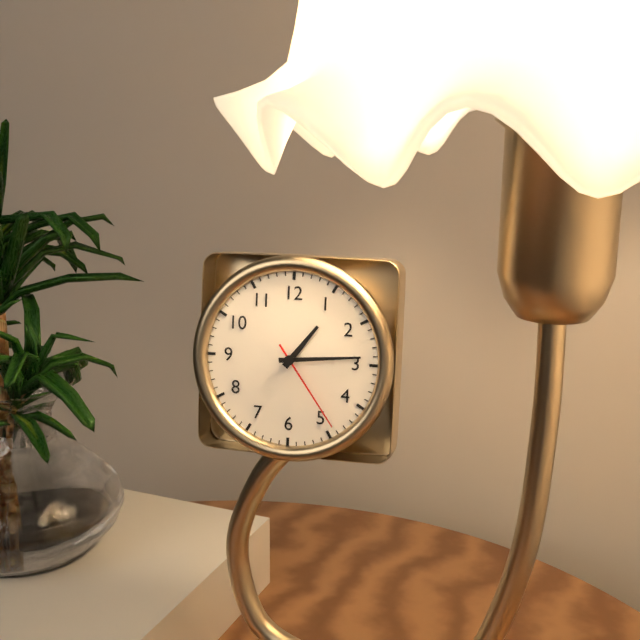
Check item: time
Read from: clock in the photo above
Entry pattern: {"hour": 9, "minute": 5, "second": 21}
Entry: {"hour": 1, "minute": 14, "second": 24}
